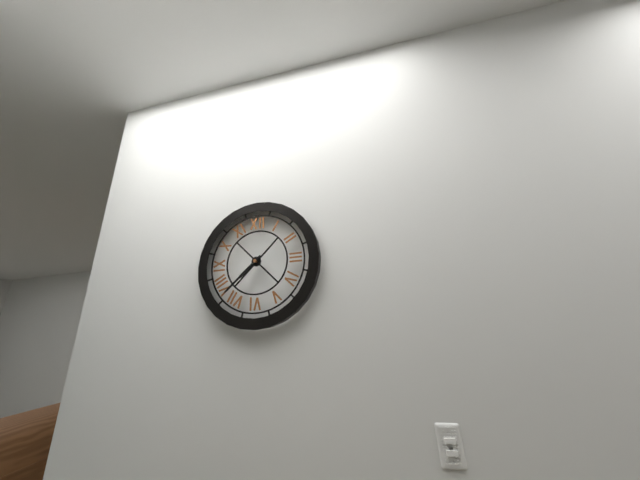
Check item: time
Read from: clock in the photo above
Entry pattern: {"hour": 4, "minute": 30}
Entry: {"hour": 7, "minute": 38}
